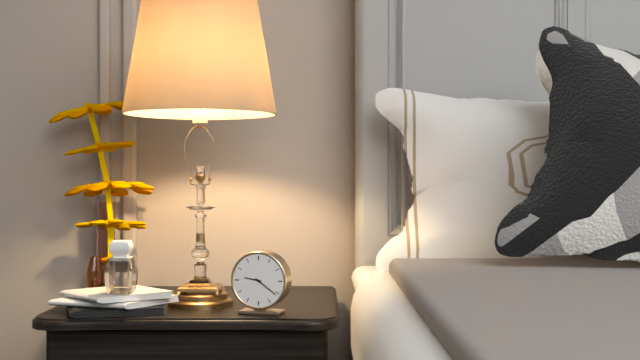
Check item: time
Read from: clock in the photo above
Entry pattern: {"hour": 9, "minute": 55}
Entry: {"hour": 9, "minute": 21}
